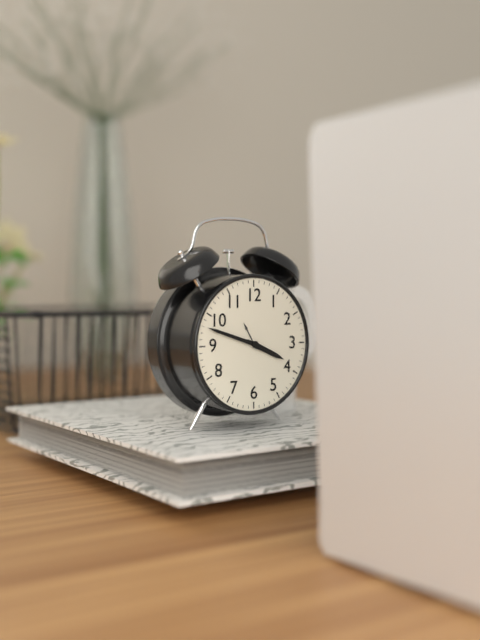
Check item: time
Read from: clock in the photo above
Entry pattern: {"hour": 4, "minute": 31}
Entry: {"hour": 3, "minute": 48}
